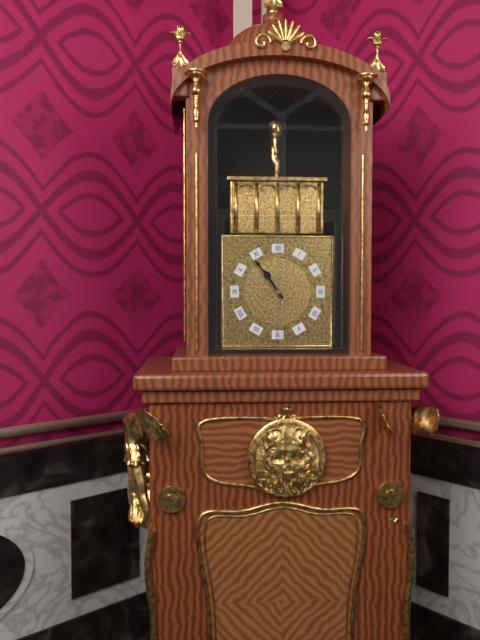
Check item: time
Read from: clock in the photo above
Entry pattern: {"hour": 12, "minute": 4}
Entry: {"hour": 10, "minute": 54}
